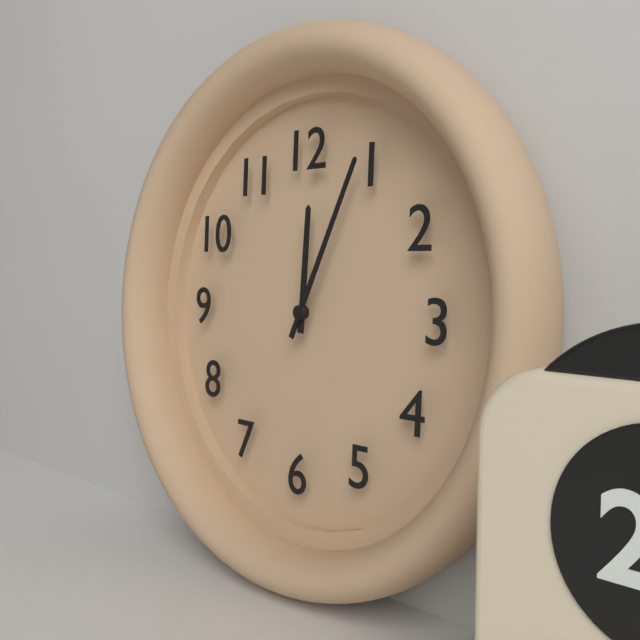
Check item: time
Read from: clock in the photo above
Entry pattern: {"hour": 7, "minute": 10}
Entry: {"hour": 12, "minute": 4}
